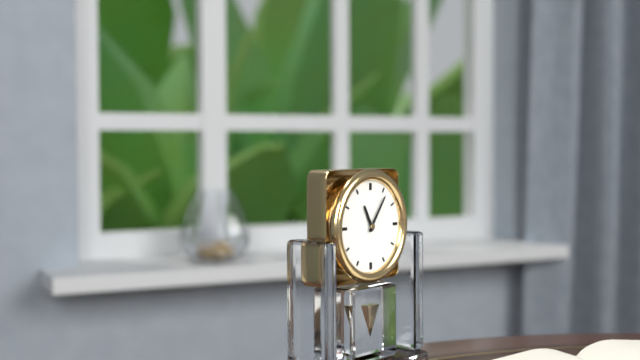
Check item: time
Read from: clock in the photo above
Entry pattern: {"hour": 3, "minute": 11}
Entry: {"hour": 11, "minute": 6}
